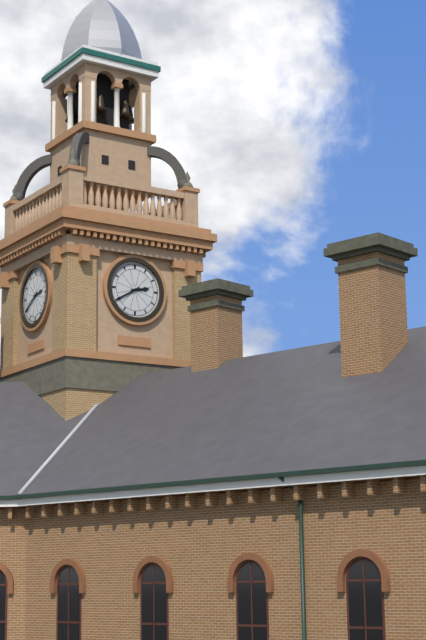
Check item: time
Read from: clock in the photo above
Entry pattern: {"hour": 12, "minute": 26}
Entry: {"hour": 2, "minute": 40}
